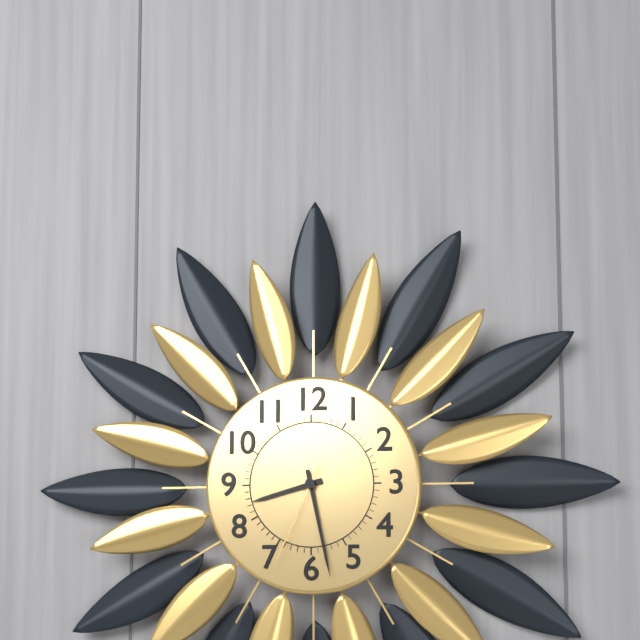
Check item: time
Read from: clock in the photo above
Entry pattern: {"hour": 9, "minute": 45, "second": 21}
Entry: {"hour": 8, "minute": 28, "second": 34}
